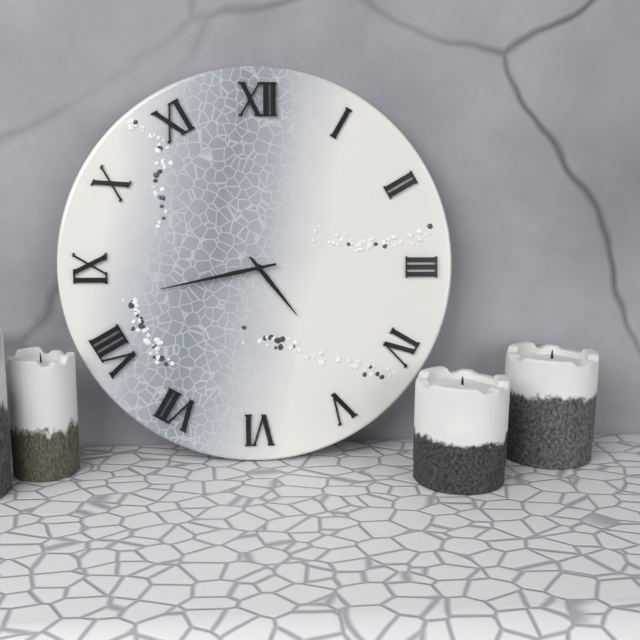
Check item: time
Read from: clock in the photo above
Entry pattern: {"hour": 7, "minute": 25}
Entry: {"hour": 4, "minute": 43}
